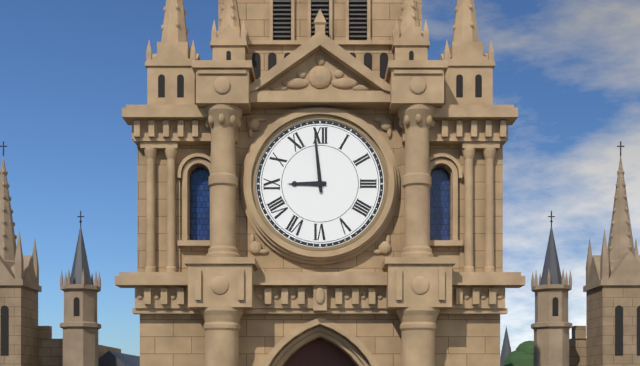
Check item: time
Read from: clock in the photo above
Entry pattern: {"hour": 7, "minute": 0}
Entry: {"hour": 8, "minute": 59}
